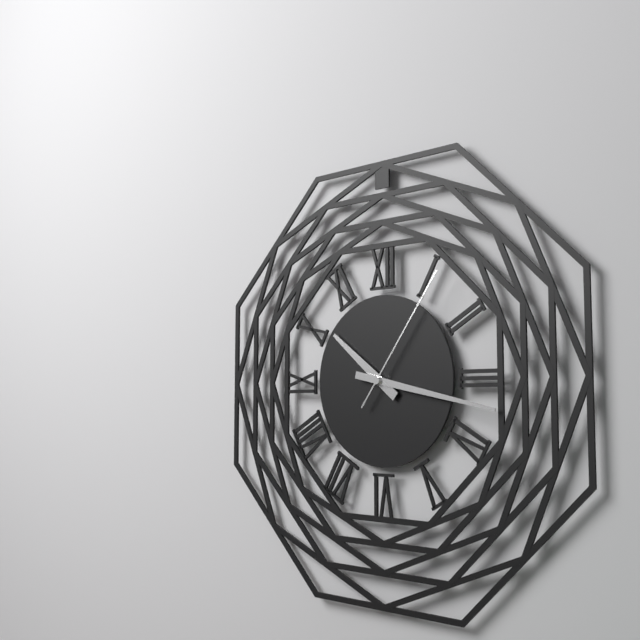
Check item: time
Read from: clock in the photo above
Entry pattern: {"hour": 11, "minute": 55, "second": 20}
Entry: {"hour": 10, "minute": 17, "second": 6}
